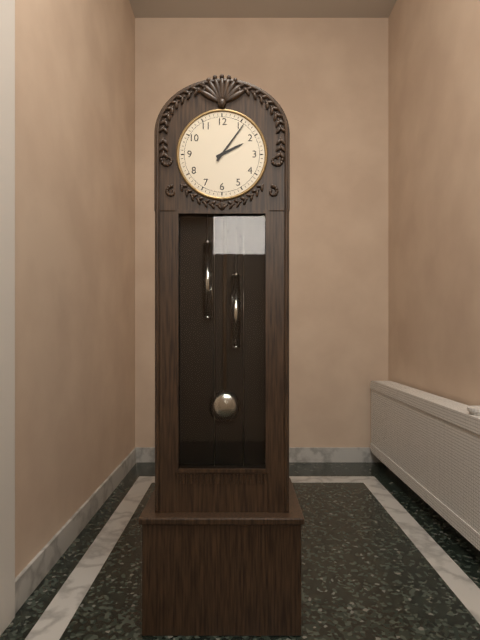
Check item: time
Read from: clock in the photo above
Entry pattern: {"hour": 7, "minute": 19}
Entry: {"hour": 2, "minute": 6}
